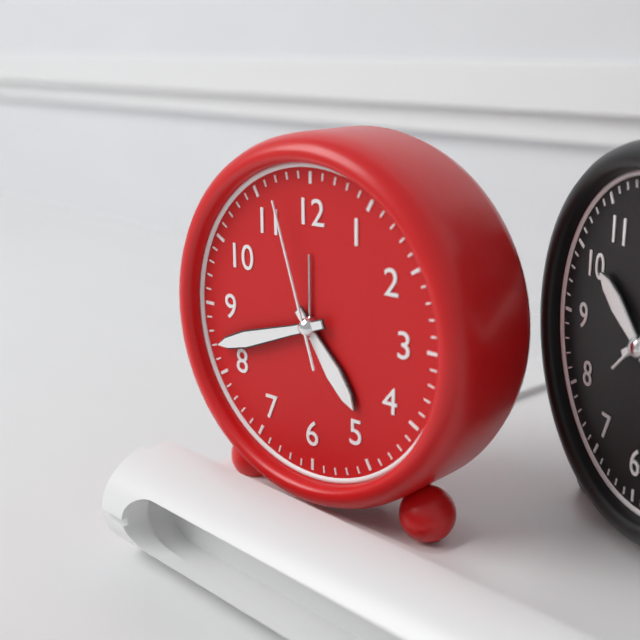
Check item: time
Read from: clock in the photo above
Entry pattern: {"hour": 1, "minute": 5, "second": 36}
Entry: {"hour": 4, "minute": 42, "second": 57}
